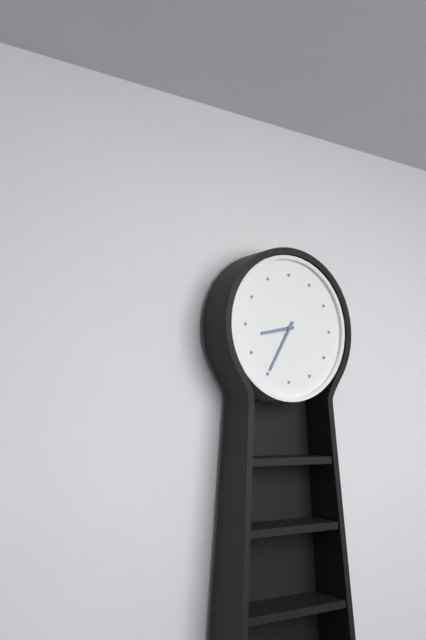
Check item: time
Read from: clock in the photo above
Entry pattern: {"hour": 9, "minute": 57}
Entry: {"hour": 8, "minute": 35}
